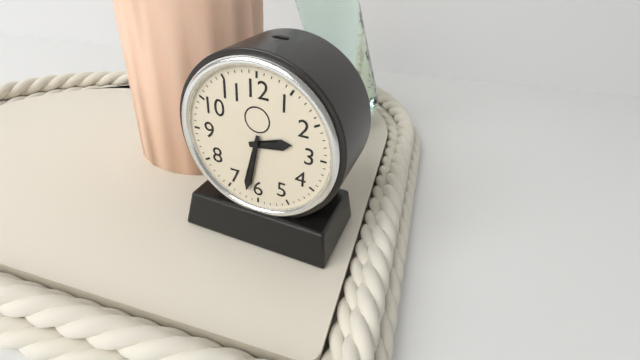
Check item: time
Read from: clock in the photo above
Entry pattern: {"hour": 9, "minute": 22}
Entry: {"hour": 2, "minute": 32}
